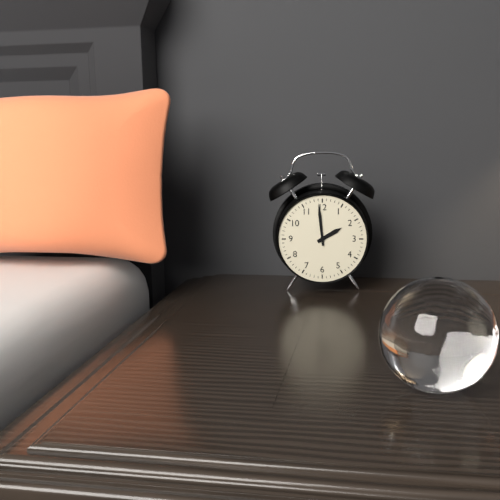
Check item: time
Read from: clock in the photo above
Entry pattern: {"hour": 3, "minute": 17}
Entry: {"hour": 1, "minute": 59}
